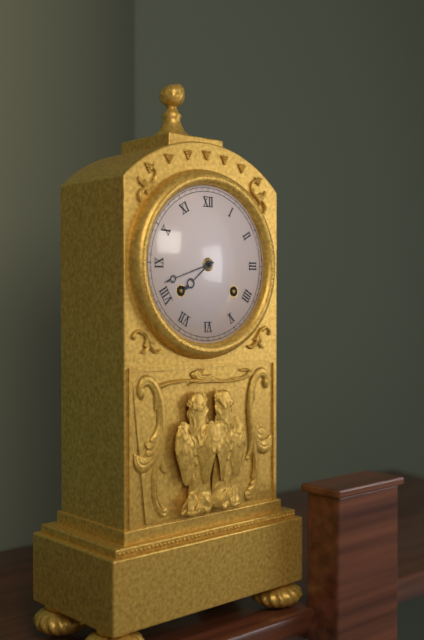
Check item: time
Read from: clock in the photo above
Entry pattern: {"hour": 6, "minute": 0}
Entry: {"hour": 7, "minute": 42}
